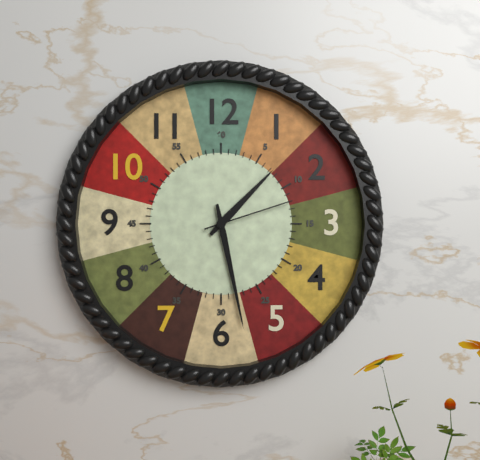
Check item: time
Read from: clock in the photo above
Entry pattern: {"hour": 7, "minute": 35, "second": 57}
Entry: {"hour": 1, "minute": 28, "second": 12}
